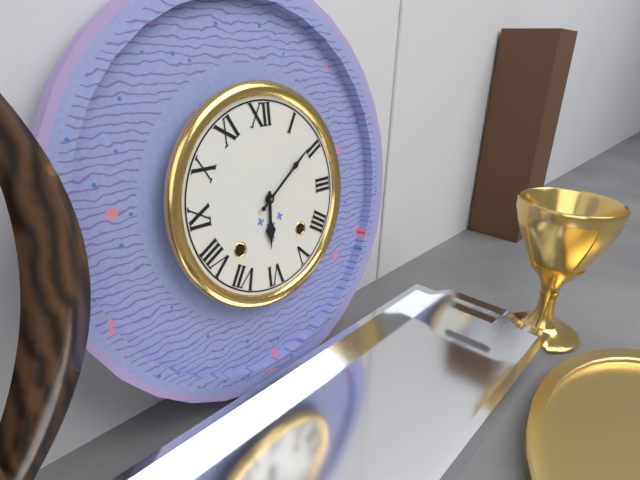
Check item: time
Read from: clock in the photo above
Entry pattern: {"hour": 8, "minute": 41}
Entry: {"hour": 6, "minute": 9}
